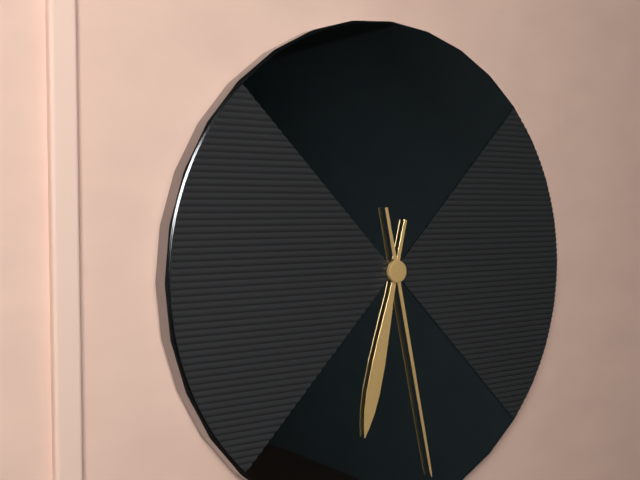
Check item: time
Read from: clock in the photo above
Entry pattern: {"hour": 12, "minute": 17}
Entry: {"hour": 6, "minute": 28}
